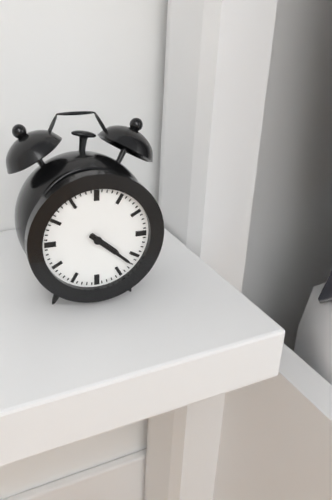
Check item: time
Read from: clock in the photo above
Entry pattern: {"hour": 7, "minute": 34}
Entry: {"hour": 4, "minute": 22}
